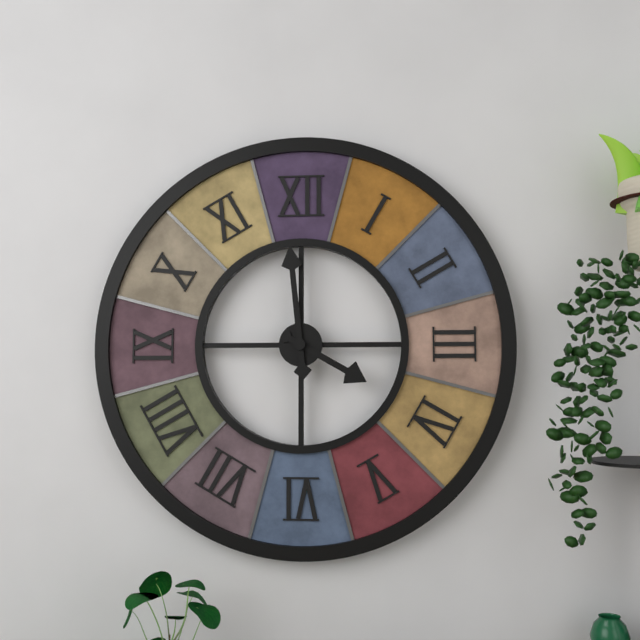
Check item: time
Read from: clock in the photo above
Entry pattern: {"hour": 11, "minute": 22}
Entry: {"hour": 3, "minute": 59}
